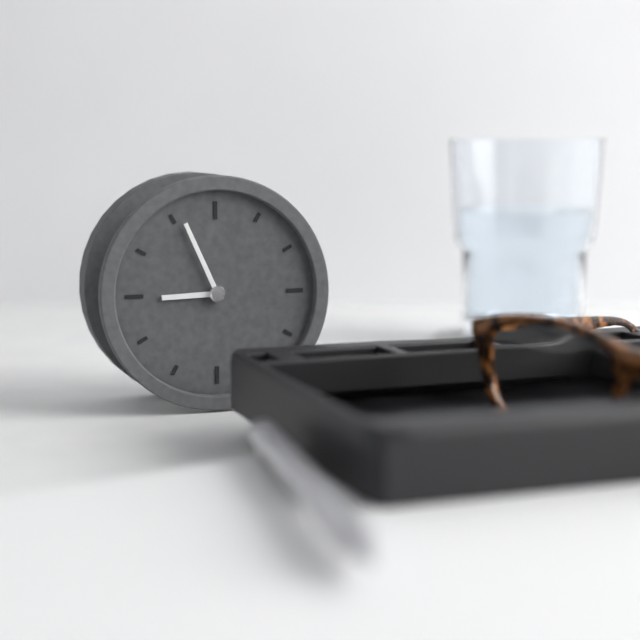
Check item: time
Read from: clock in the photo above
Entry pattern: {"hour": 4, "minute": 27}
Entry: {"hour": 8, "minute": 56}
